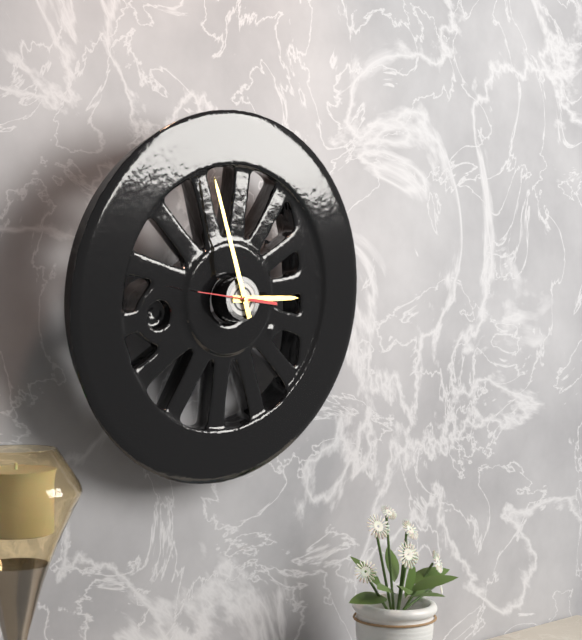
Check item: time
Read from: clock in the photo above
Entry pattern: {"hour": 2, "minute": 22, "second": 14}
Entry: {"hour": 2, "minute": 57, "second": 46}
